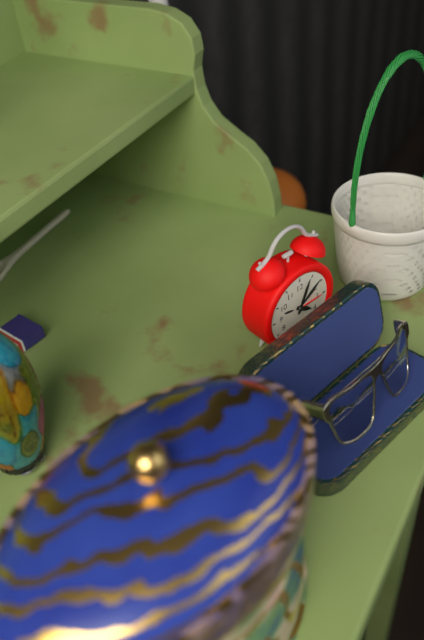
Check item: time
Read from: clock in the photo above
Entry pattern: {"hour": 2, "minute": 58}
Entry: {"hour": 4, "minute": 4}
